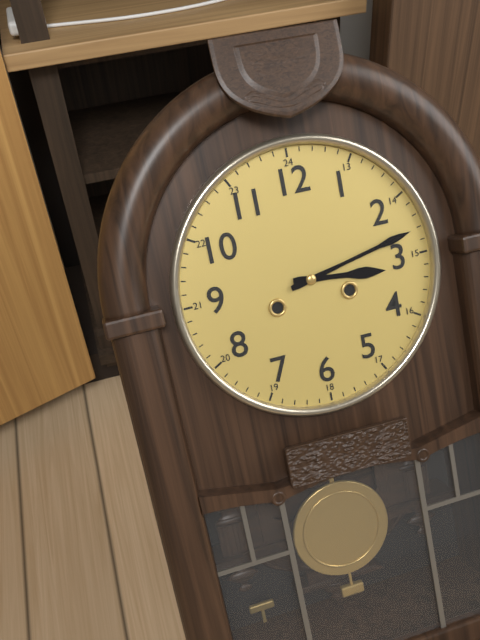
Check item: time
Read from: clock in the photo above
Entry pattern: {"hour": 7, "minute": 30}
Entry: {"hour": 3, "minute": 13}
